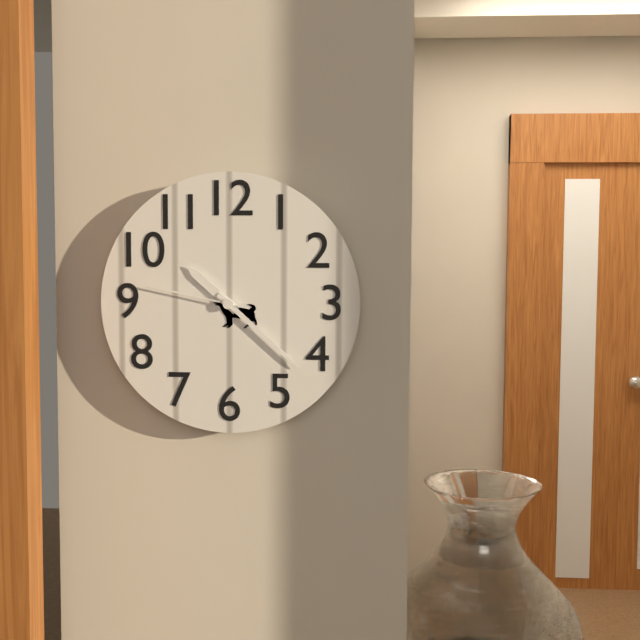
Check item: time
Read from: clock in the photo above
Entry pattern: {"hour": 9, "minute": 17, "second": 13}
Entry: {"hour": 10, "minute": 22, "second": 47}
